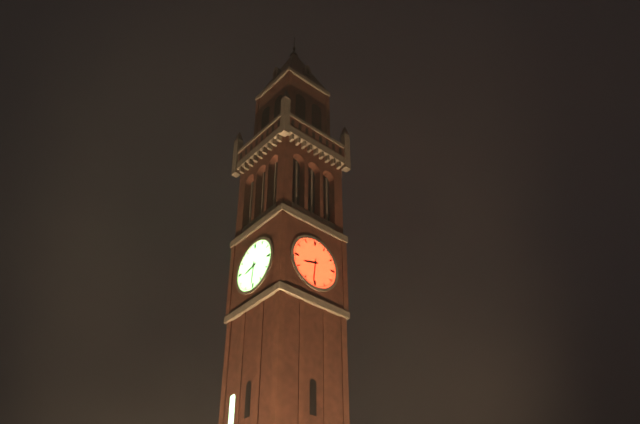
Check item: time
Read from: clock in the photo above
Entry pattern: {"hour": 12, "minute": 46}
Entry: {"hour": 8, "minute": 31}
